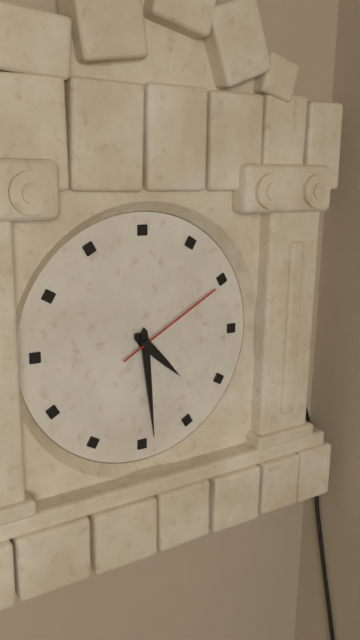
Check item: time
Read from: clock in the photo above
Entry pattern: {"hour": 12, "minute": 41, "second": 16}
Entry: {"hour": 4, "minute": 29, "second": 10}
